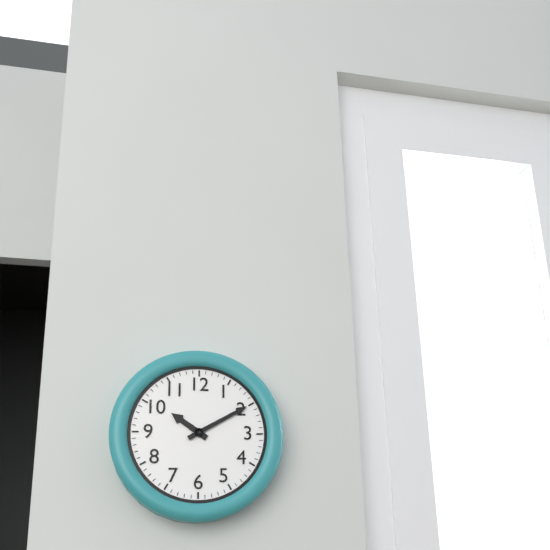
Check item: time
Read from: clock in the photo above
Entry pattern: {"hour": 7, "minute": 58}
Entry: {"hour": 10, "minute": 10}
